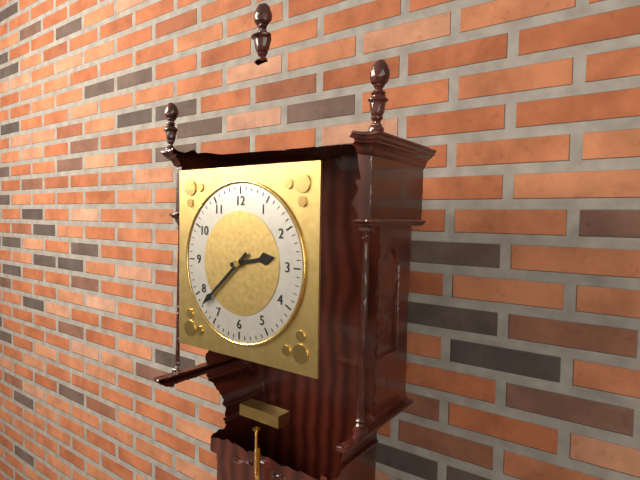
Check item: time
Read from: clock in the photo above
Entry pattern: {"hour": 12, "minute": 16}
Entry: {"hour": 2, "minute": 38}
